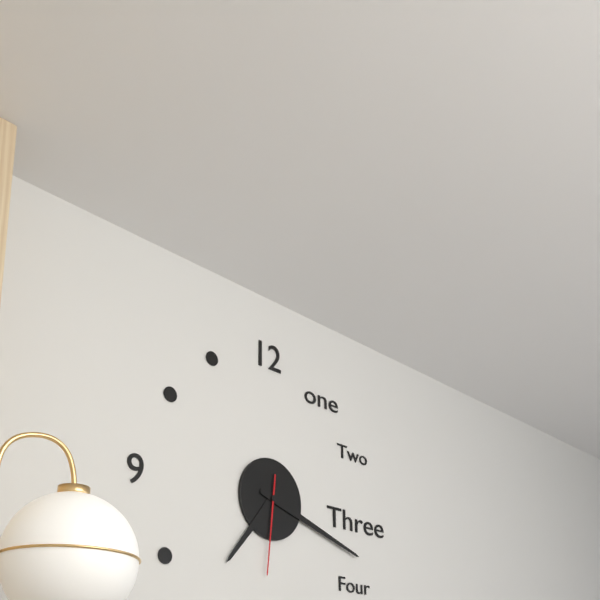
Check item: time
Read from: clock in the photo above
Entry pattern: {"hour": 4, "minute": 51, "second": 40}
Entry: {"hour": 7, "minute": 18, "second": 31}
